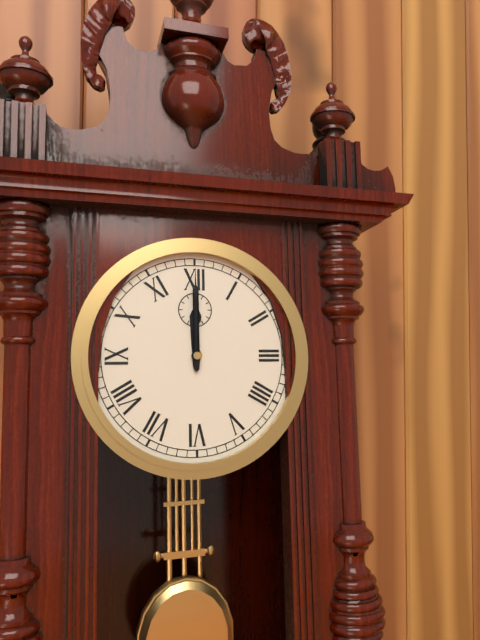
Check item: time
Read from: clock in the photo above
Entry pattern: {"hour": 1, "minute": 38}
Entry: {"hour": 12, "minute": 0}
